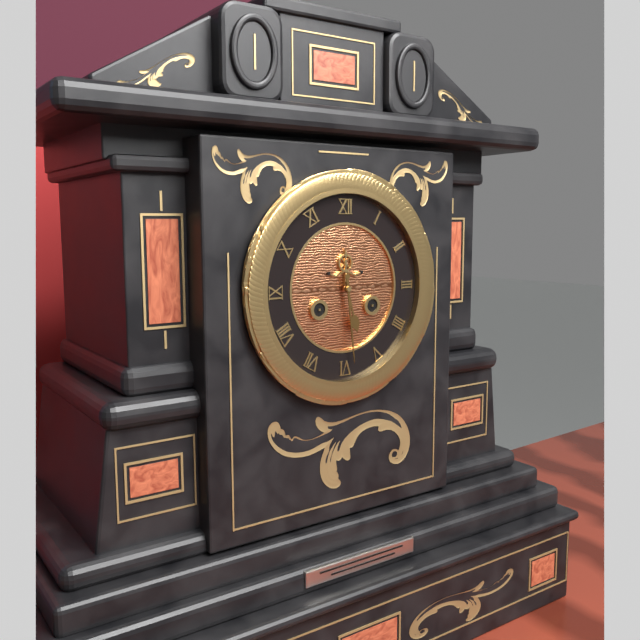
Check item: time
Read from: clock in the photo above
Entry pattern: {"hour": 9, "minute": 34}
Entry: {"hour": 5, "minute": 29}
